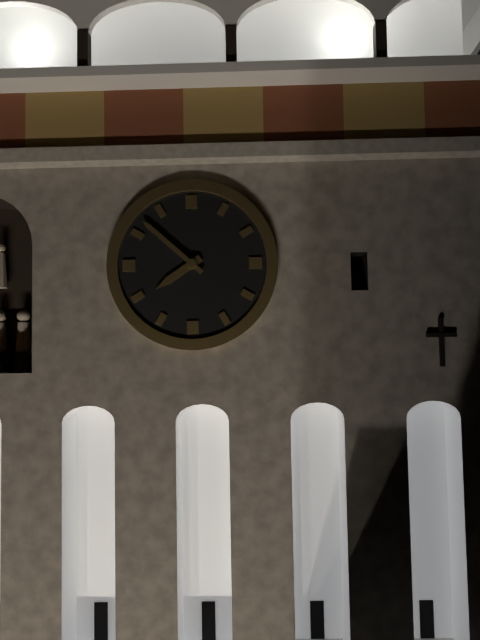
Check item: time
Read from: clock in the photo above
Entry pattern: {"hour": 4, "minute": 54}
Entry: {"hour": 7, "minute": 52}
